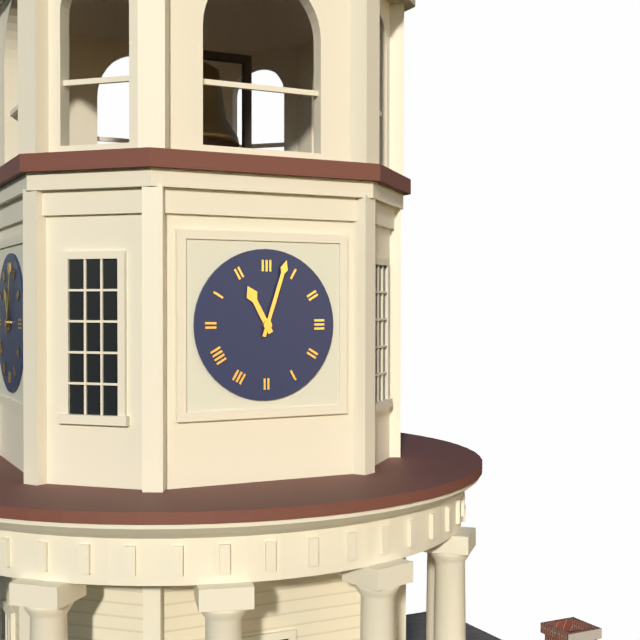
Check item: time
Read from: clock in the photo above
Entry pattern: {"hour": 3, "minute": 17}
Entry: {"hour": 11, "minute": 3}
